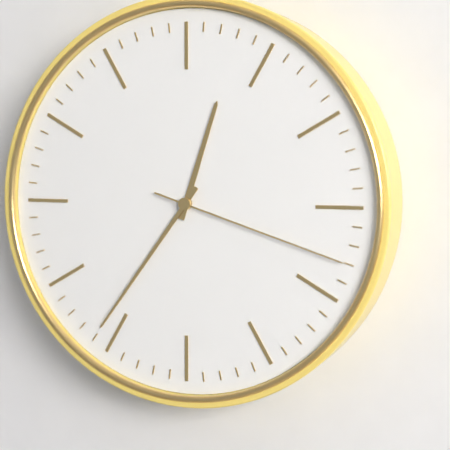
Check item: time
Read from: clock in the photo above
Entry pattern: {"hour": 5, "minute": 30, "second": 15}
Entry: {"hour": 12, "minute": 36, "second": 18}
